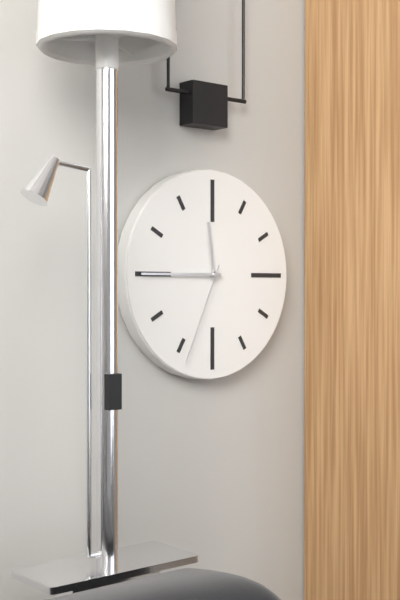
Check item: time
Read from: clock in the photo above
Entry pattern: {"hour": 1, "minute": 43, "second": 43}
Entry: {"hour": 11, "minute": 45, "second": 34}
